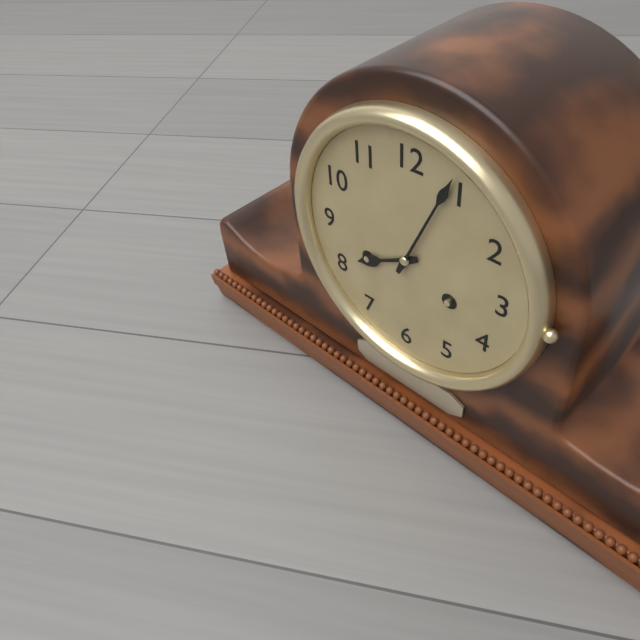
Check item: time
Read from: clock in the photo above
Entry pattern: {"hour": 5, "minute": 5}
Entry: {"hour": 8, "minute": 4}
